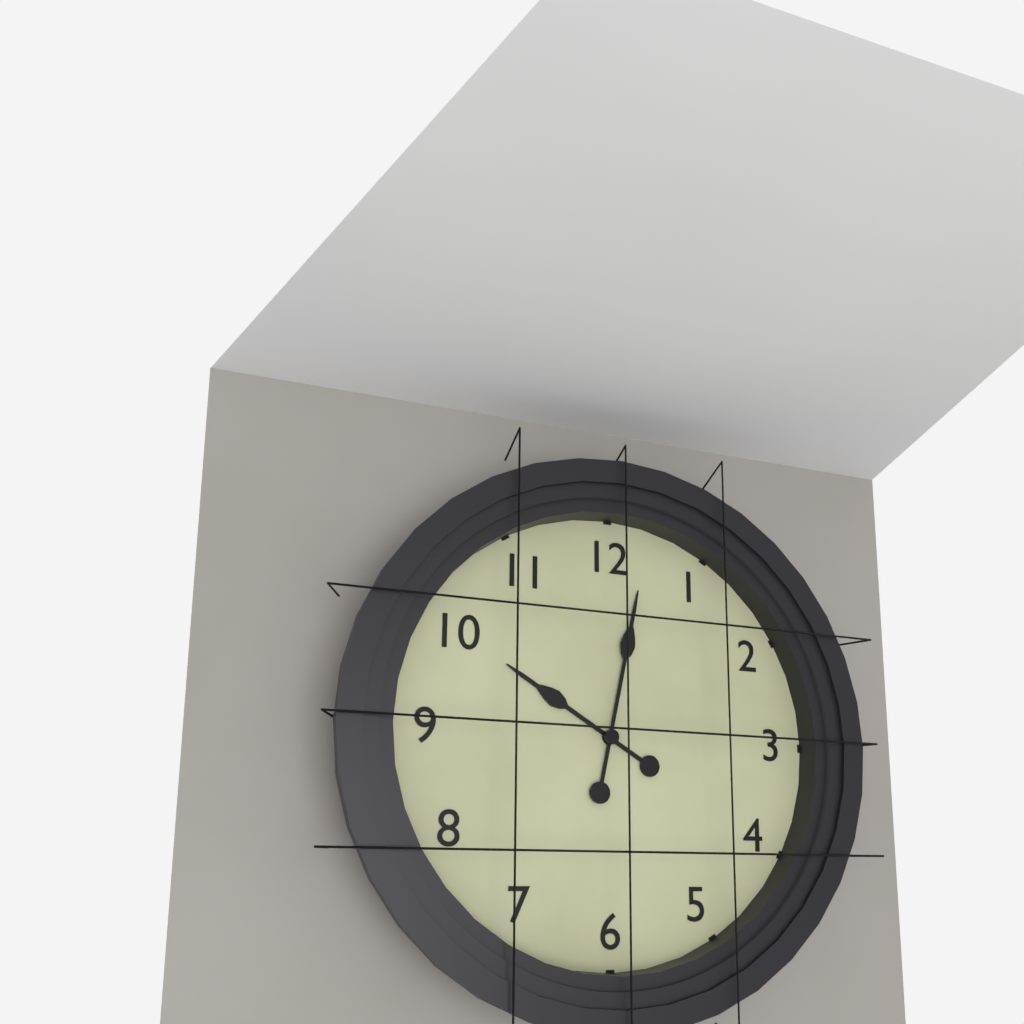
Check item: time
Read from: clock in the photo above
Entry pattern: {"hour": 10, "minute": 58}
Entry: {"hour": 10, "minute": 2}
